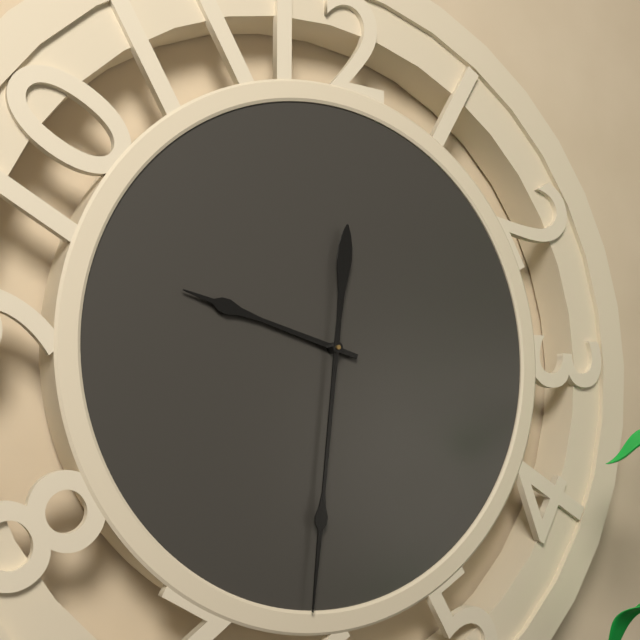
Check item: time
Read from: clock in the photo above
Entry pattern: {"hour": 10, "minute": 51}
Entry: {"hour": 9, "minute": 31}
